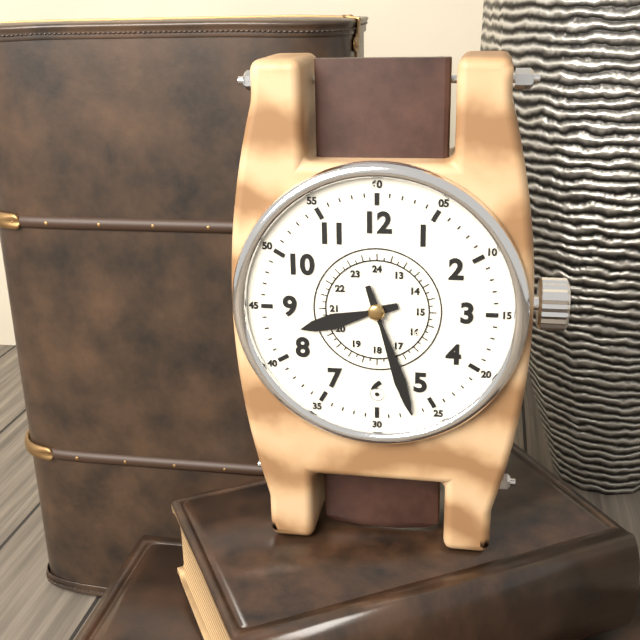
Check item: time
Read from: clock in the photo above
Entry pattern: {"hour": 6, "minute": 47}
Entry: {"hour": 8, "minute": 27}
